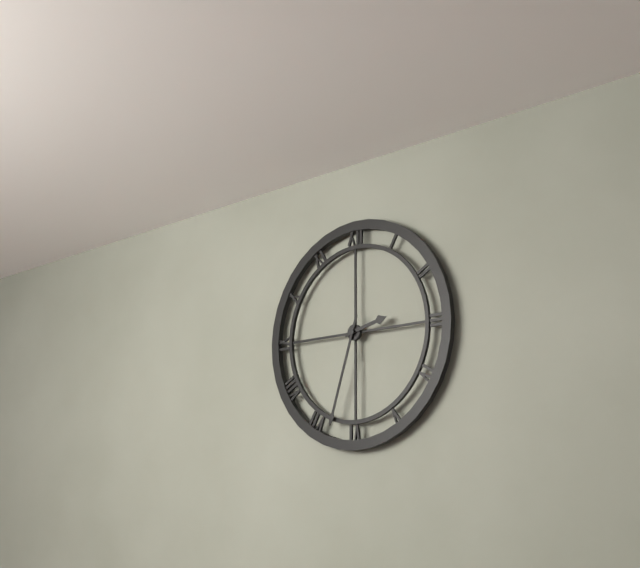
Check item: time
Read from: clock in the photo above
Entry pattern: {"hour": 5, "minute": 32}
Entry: {"hour": 2, "minute": 33}
